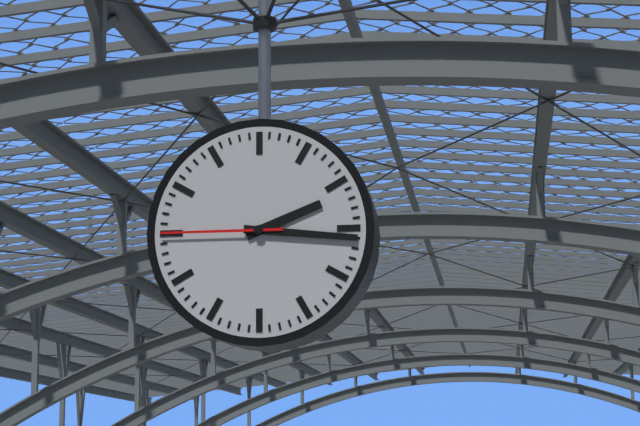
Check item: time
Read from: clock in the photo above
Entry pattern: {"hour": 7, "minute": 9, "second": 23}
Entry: {"hour": 2, "minute": 16, "second": 45}
